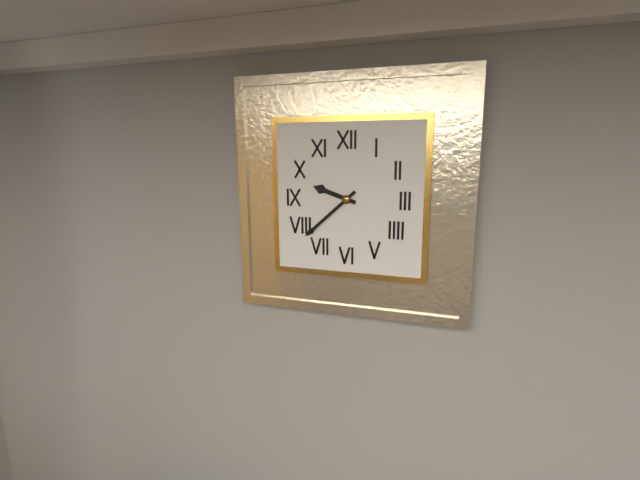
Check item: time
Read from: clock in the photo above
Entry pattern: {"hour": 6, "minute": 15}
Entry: {"hour": 9, "minute": 38}
